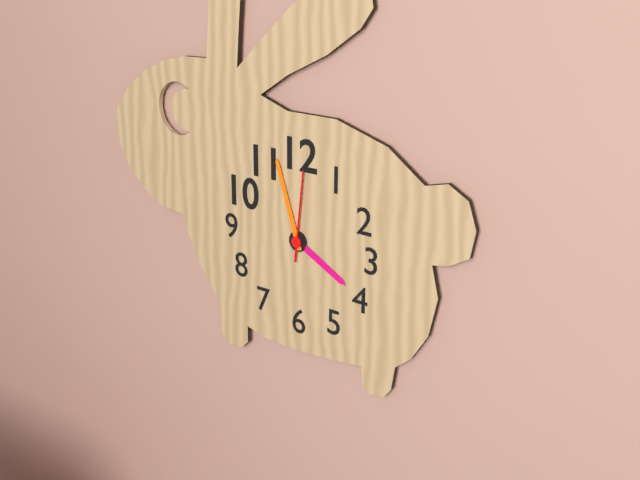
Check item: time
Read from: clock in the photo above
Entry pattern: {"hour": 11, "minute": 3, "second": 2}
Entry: {"hour": 3, "minute": 57, "second": 1}
